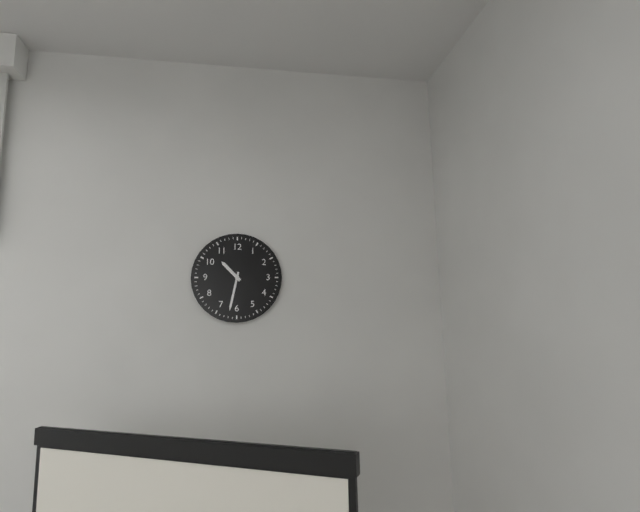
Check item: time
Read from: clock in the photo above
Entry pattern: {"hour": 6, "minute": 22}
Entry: {"hour": 10, "minute": 32}
